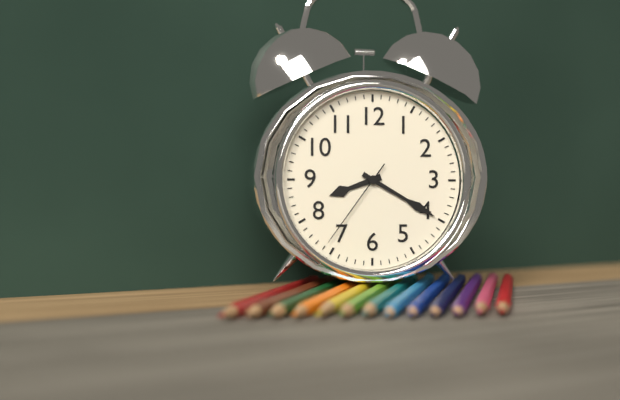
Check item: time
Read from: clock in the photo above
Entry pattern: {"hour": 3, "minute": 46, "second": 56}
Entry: {"hour": 8, "minute": 20, "second": 36}
